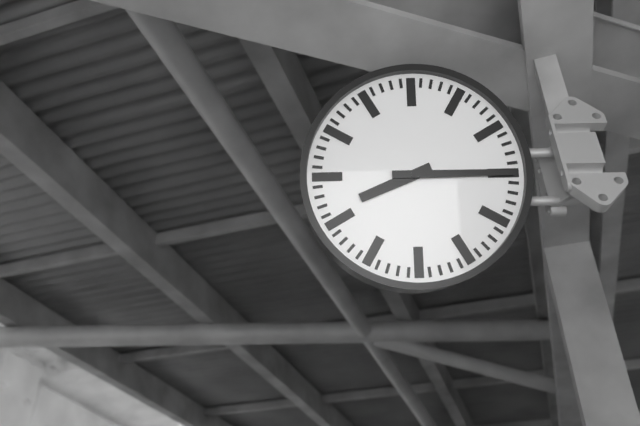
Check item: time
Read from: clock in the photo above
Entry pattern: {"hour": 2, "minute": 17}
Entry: {"hour": 8, "minute": 15}
